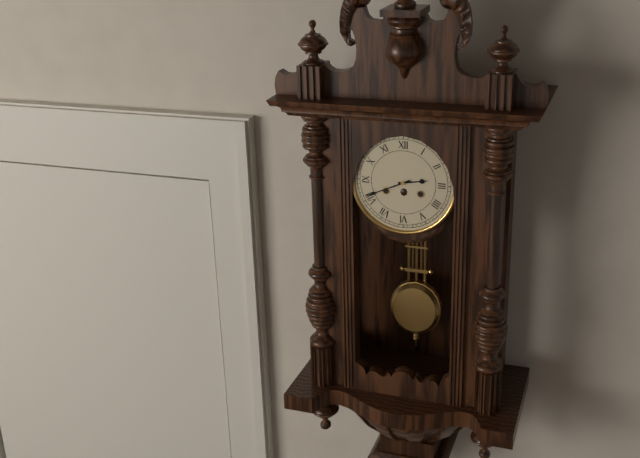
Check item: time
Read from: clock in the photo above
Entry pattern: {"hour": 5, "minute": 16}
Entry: {"hour": 2, "minute": 41}
